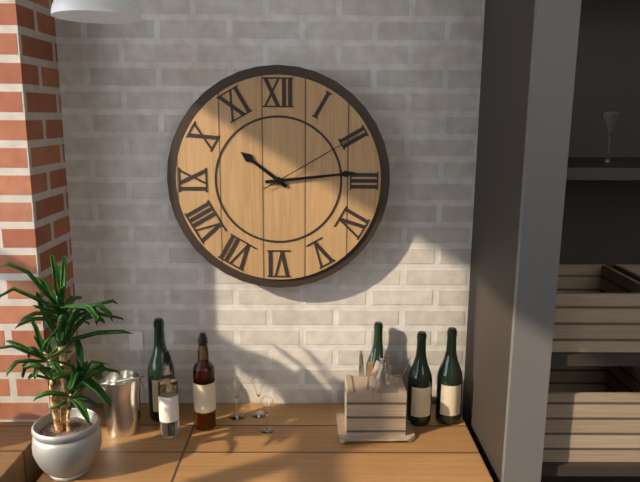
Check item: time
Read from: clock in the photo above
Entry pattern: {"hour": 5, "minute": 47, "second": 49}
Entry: {"hour": 10, "minute": 14, "second": 10}
